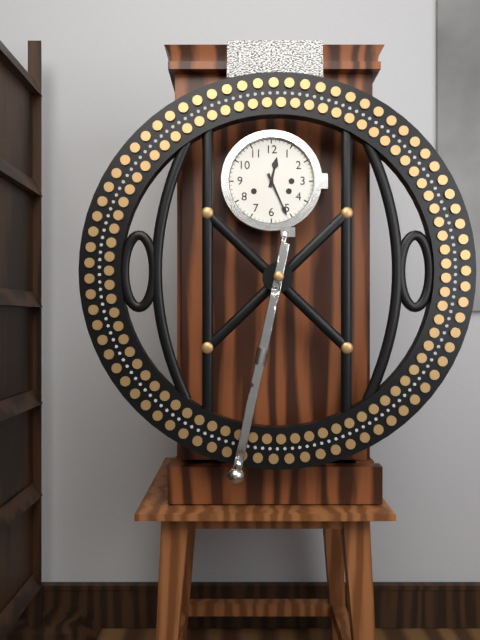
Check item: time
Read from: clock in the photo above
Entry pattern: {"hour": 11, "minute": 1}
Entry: {"hour": 12, "minute": 26}
